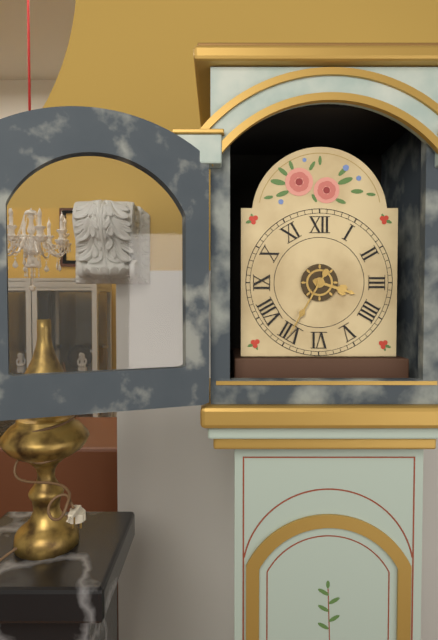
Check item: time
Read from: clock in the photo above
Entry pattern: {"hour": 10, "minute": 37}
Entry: {"hour": 3, "minute": 35}
